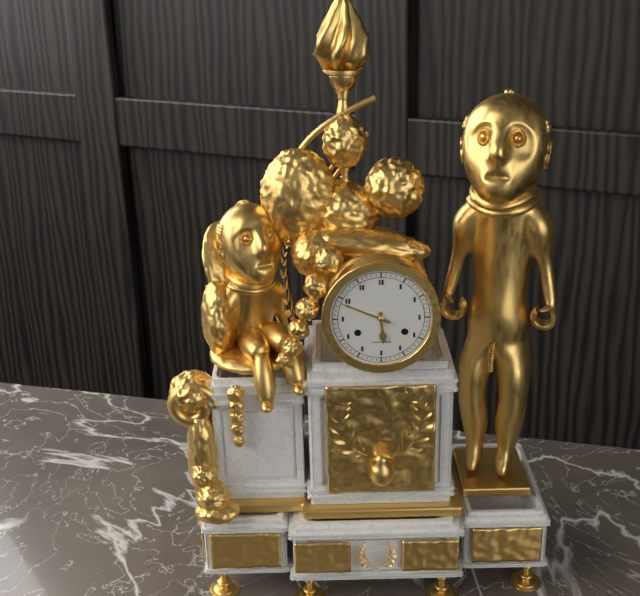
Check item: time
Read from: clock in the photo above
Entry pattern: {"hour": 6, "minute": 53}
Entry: {"hour": 5, "minute": 49}
